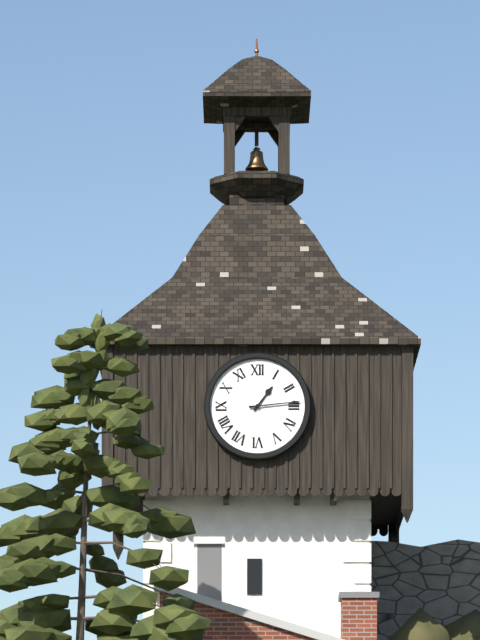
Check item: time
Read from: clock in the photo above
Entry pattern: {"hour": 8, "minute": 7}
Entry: {"hour": 1, "minute": 14}
